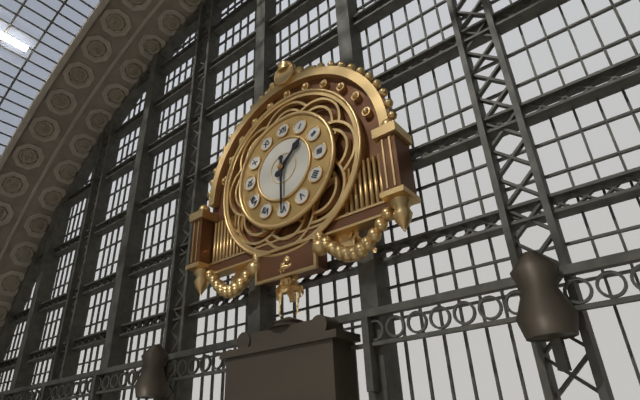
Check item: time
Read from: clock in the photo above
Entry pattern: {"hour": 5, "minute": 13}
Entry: {"hour": 1, "minute": 30}
